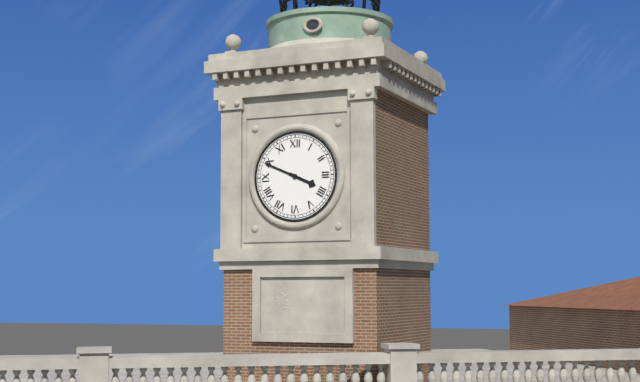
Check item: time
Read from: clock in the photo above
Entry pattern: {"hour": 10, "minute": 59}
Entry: {"hour": 3, "minute": 49}
